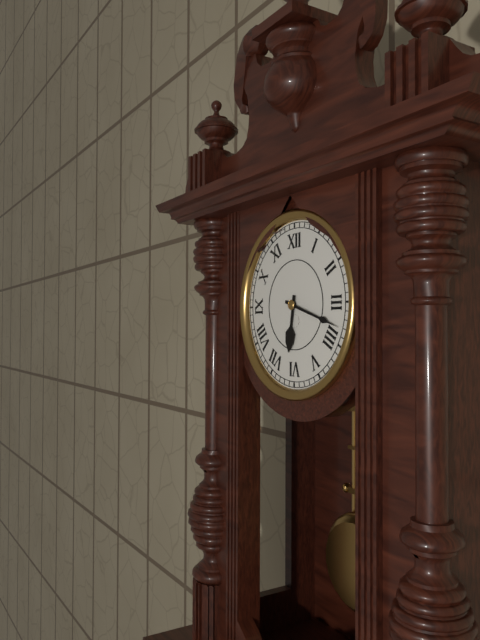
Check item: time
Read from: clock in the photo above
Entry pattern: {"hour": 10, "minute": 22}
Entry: {"hour": 6, "minute": 18}
